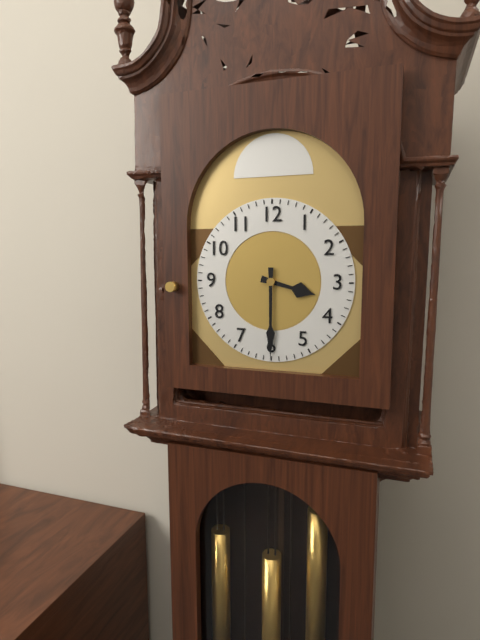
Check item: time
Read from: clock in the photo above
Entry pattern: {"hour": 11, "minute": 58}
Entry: {"hour": 3, "minute": 30}
